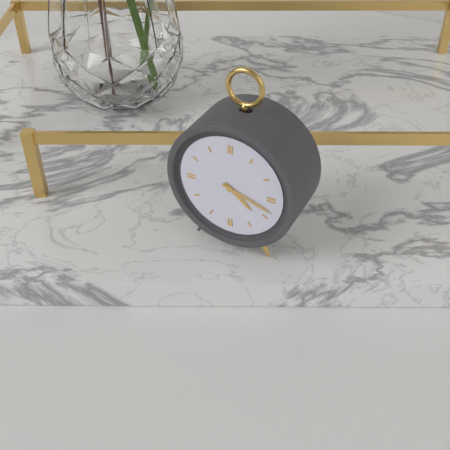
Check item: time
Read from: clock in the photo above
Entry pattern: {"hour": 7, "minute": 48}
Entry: {"hour": 4, "minute": 18}
